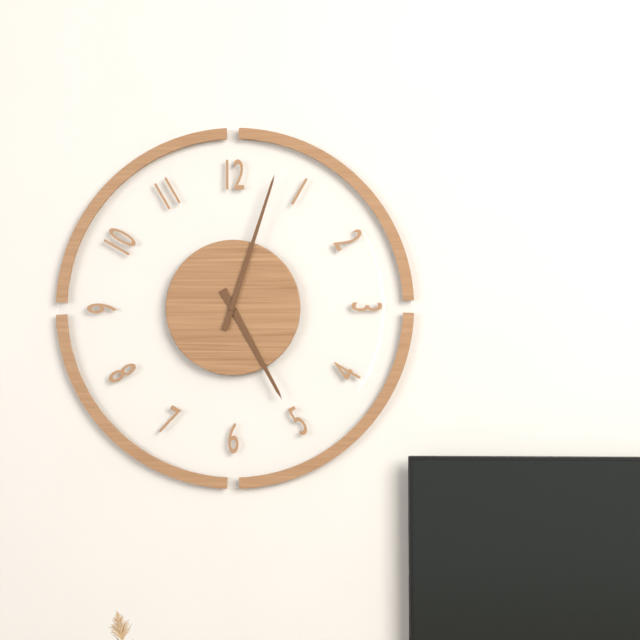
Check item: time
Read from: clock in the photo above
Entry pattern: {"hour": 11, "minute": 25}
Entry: {"hour": 5, "minute": 3}
